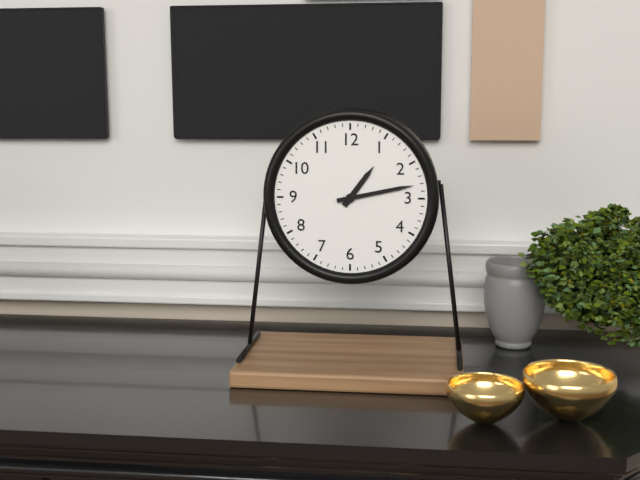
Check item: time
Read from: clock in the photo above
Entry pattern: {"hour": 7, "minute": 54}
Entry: {"hour": 1, "minute": 13}
